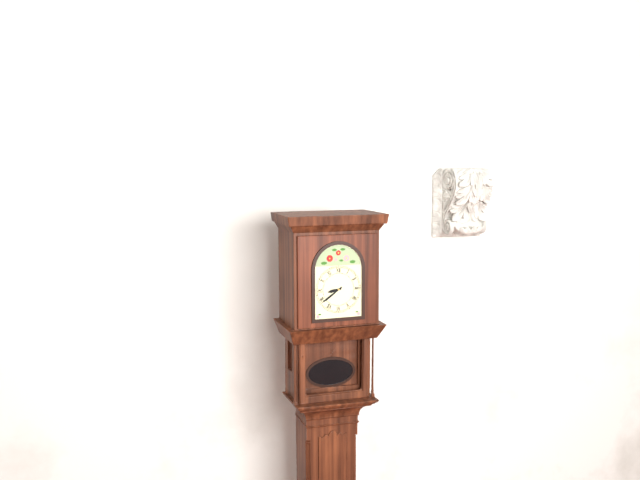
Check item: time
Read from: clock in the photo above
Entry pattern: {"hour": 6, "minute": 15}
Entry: {"hour": 8, "minute": 39}
